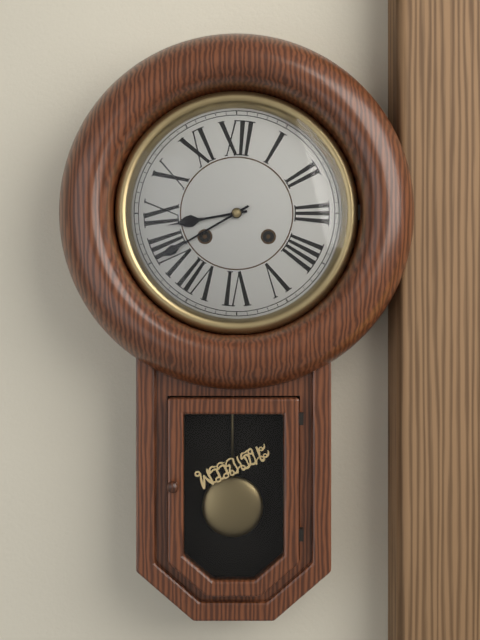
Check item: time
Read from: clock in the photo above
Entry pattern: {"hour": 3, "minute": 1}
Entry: {"hour": 8, "minute": 40}
